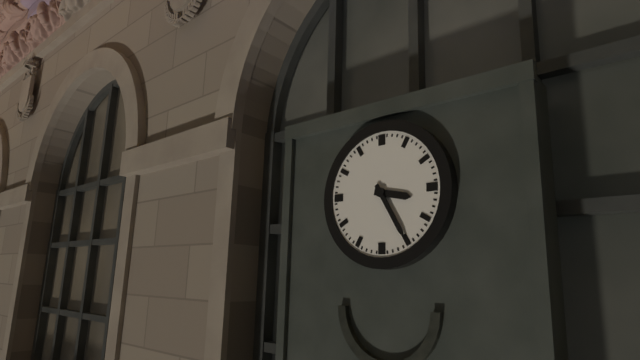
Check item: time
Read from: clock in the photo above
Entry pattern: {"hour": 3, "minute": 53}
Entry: {"hour": 3, "minute": 25}
